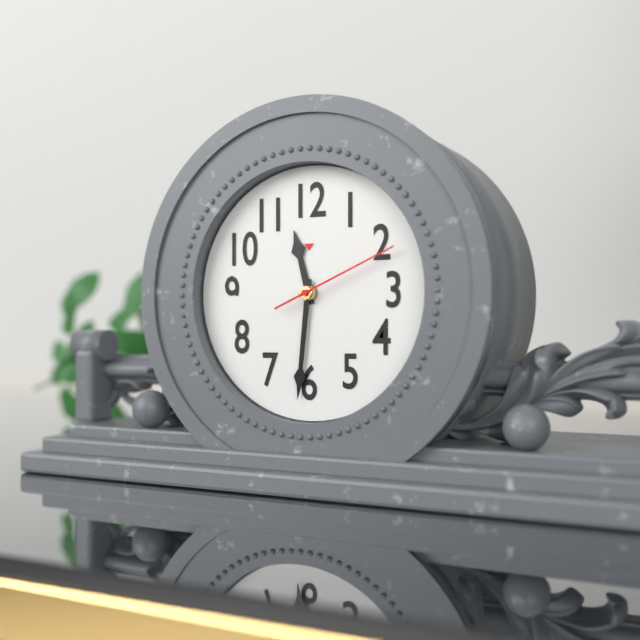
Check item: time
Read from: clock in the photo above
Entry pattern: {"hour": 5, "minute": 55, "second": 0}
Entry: {"hour": 11, "minute": 31, "second": 11}
